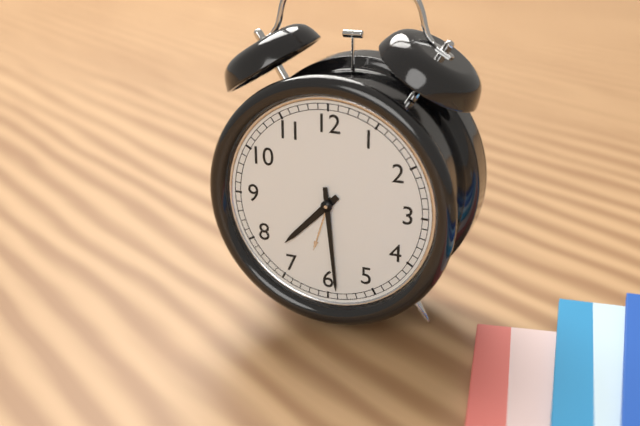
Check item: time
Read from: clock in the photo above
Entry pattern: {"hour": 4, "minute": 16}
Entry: {"hour": 7, "minute": 29}
